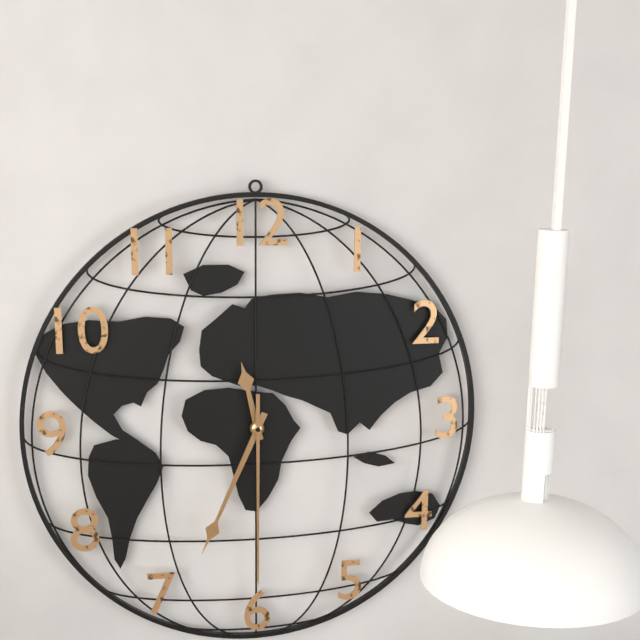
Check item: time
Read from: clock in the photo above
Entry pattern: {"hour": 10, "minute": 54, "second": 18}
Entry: {"hour": 11, "minute": 34, "second": 30}
